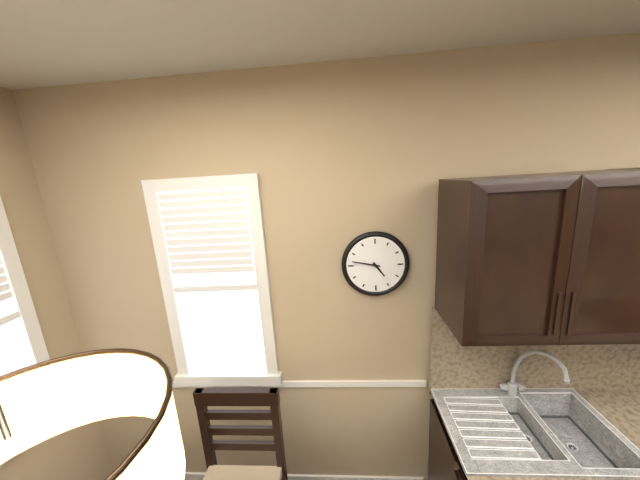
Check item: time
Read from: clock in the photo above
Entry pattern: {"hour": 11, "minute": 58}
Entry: {"hour": 4, "minute": 47}
